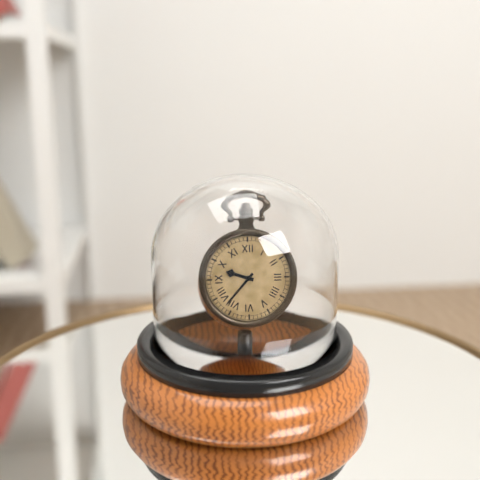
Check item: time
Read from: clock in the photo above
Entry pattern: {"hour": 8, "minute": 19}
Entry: {"hour": 9, "minute": 37}
